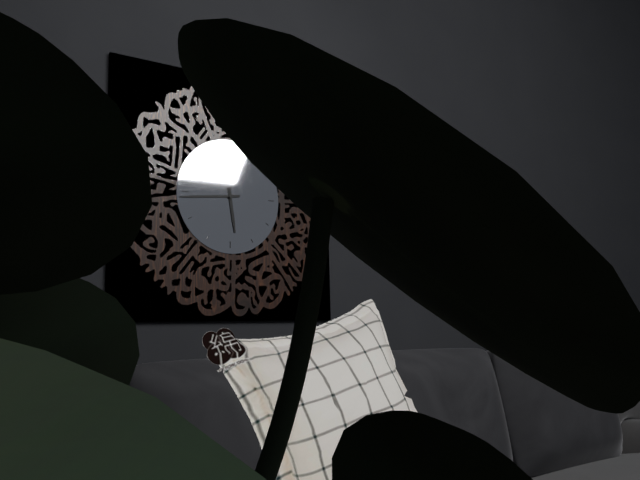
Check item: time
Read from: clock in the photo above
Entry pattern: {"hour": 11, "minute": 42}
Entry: {"hour": 5, "minute": 44}
